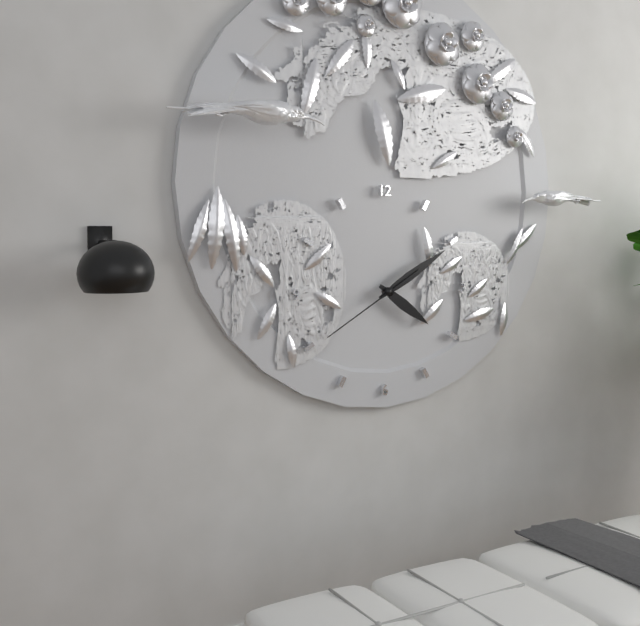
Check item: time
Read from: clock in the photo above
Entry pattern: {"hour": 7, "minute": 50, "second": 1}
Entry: {"hour": 4, "minute": 10, "second": 40}
